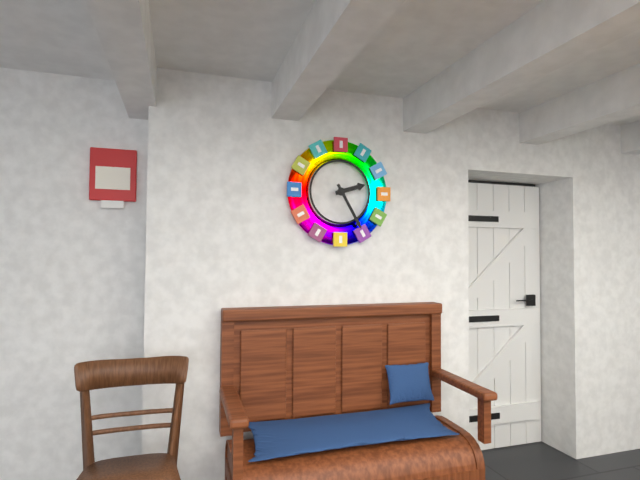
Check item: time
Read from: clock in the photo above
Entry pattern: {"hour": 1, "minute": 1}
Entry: {"hour": 2, "minute": 25}
